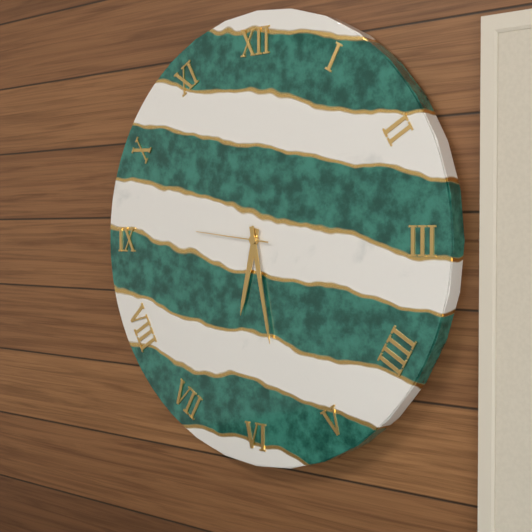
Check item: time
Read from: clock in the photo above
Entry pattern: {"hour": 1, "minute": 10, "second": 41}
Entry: {"hour": 6, "minute": 28, "second": 46}
